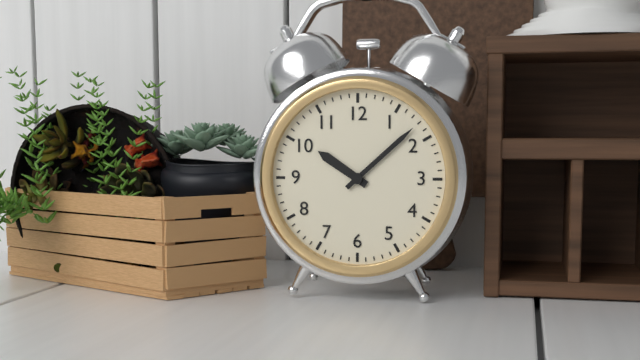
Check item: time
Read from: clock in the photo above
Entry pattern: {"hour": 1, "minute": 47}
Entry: {"hour": 10, "minute": 8}
